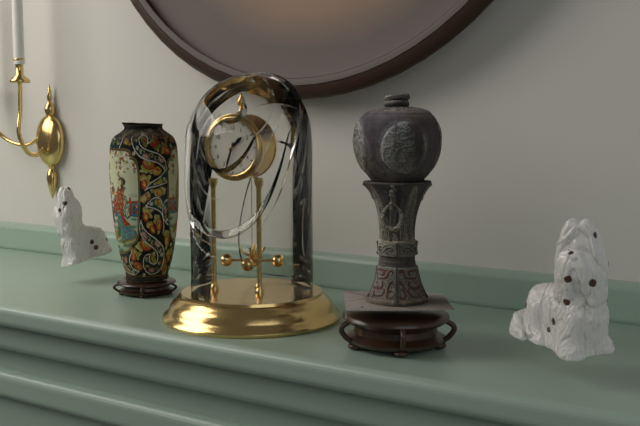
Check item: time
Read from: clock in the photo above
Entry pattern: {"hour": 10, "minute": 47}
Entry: {"hour": 1, "minute": 33}
